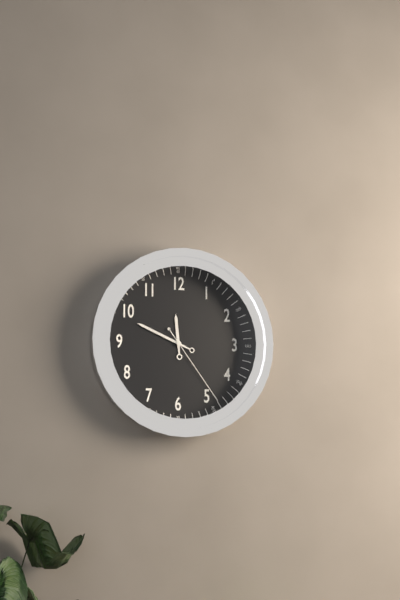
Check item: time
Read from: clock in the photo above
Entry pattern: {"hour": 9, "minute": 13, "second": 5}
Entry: {"hour": 11, "minute": 49, "second": 24}
